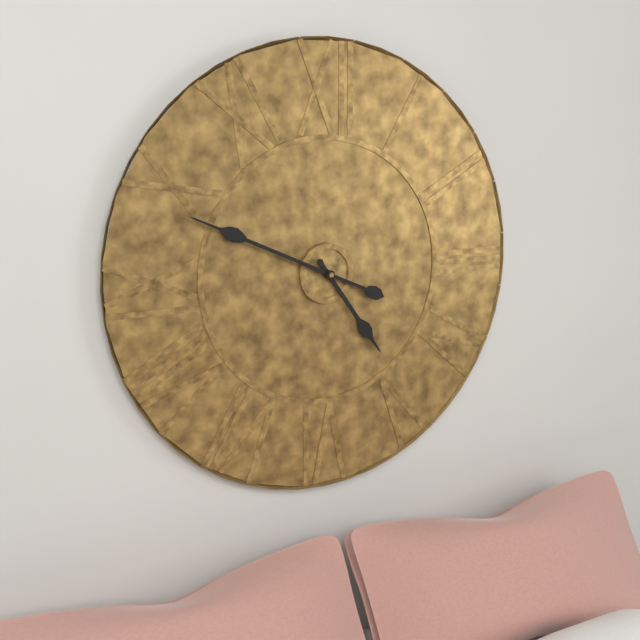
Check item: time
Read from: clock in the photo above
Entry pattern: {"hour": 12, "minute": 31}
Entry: {"hour": 4, "minute": 49}
